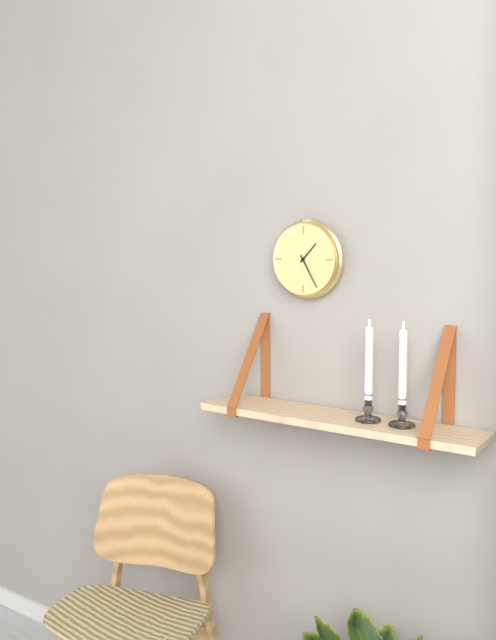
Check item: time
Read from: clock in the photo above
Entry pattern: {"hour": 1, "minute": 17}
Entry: {"hour": 1, "minute": 25}
